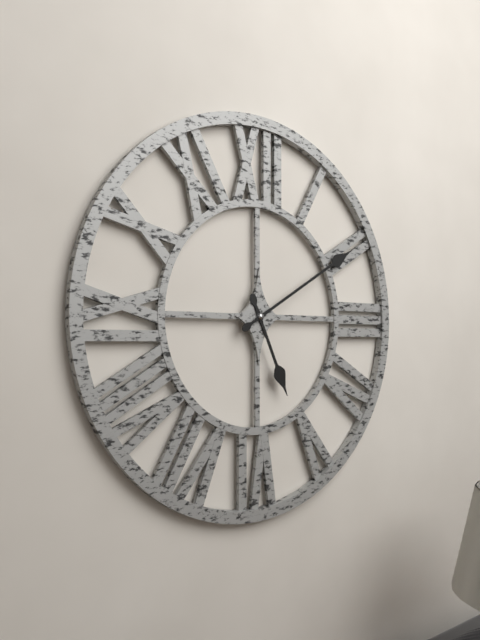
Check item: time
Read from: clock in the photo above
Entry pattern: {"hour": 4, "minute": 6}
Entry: {"hour": 5, "minute": 10}
